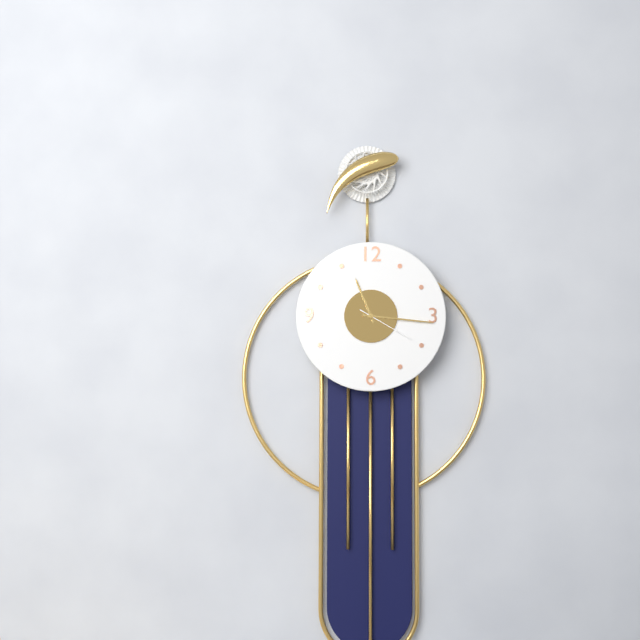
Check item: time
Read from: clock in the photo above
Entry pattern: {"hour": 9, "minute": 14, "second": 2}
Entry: {"hour": 11, "minute": 16, "second": 20}
